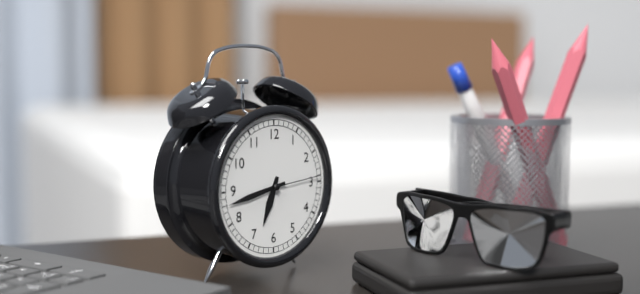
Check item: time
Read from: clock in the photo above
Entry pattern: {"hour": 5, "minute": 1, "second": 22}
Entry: {"hour": 6, "minute": 43, "second": 14}
